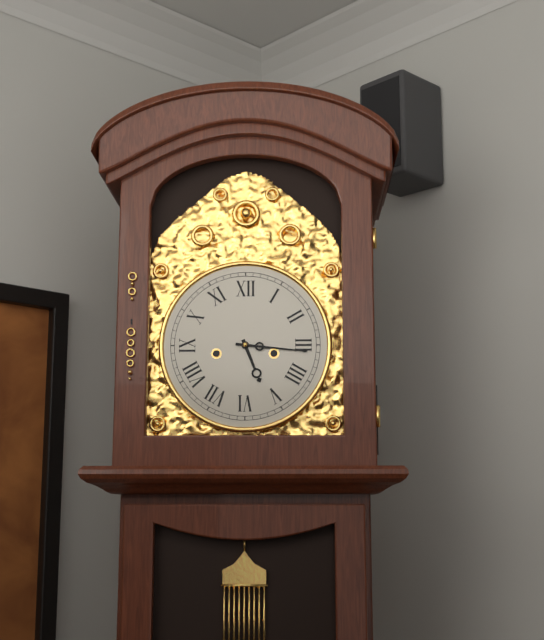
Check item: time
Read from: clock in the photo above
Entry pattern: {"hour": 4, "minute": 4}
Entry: {"hour": 5, "minute": 16}
